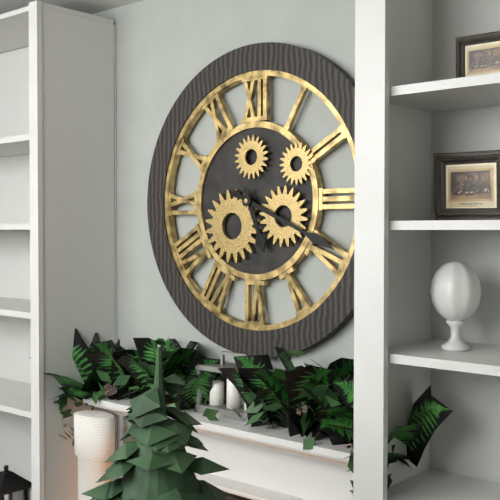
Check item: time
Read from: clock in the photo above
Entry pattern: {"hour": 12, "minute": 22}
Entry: {"hour": 5, "minute": 19}
